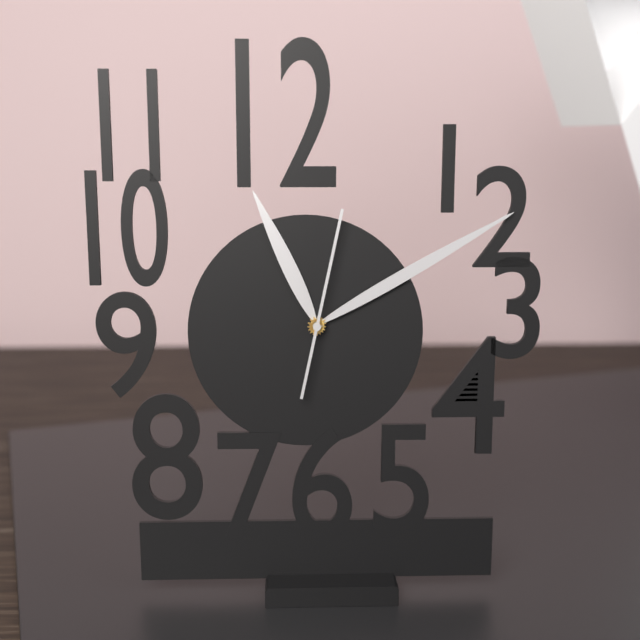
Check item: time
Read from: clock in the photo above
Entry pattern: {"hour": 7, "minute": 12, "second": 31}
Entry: {"hour": 11, "minute": 10, "second": 2}
